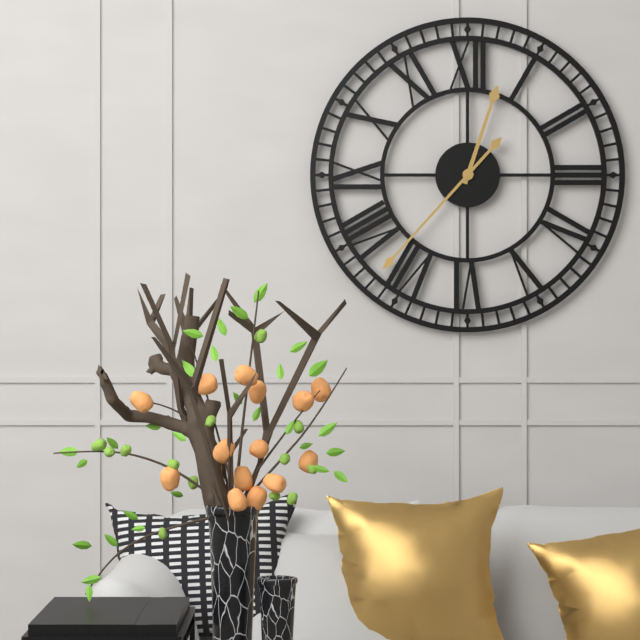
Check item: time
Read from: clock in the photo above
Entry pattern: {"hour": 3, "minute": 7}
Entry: {"hour": 12, "minute": 37}
